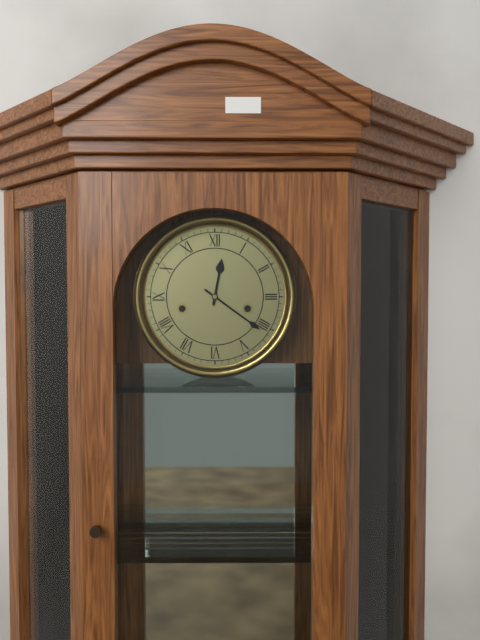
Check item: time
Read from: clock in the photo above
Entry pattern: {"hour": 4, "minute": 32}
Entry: {"hour": 12, "minute": 21}
